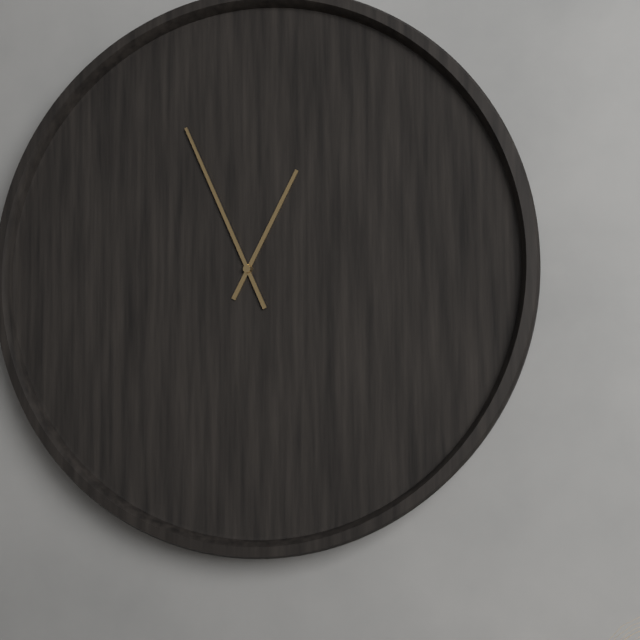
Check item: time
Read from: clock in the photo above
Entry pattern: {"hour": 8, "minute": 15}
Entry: {"hour": 12, "minute": 56}
